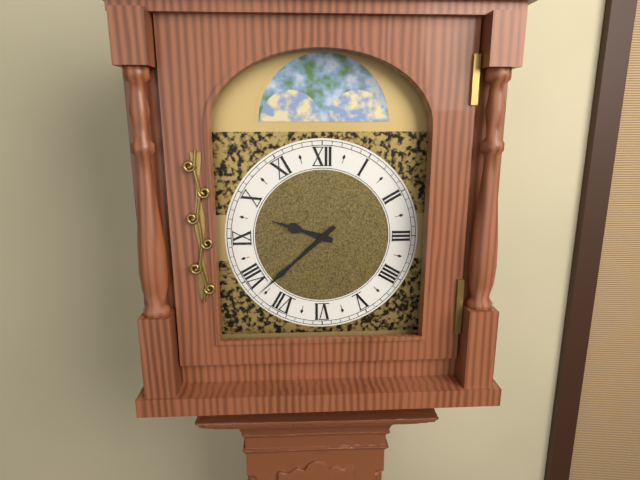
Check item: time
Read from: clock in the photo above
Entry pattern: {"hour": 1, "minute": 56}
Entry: {"hour": 9, "minute": 38}
